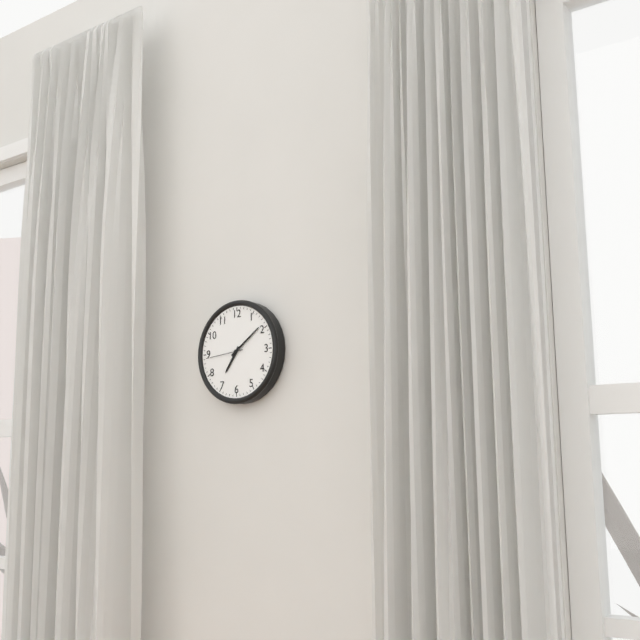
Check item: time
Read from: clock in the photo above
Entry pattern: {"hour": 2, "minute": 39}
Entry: {"hour": 7, "minute": 9}
